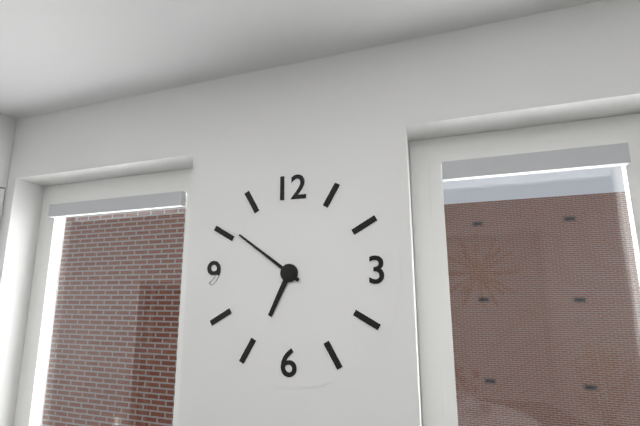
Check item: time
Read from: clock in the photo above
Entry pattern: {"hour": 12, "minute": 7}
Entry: {"hour": 6, "minute": 51}
